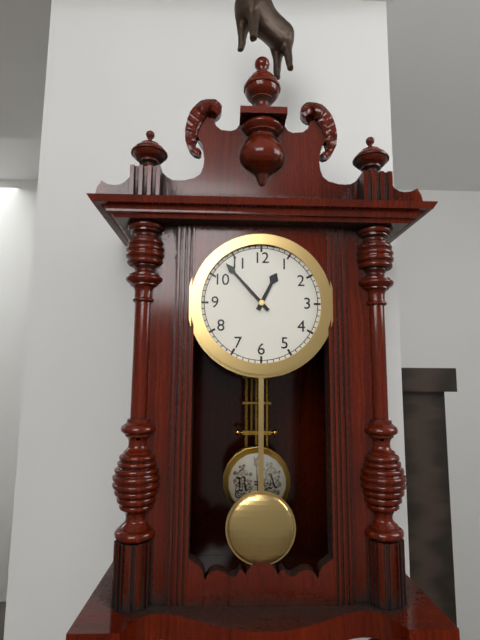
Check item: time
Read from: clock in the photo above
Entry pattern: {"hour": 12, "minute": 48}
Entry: {"hour": 12, "minute": 53}
